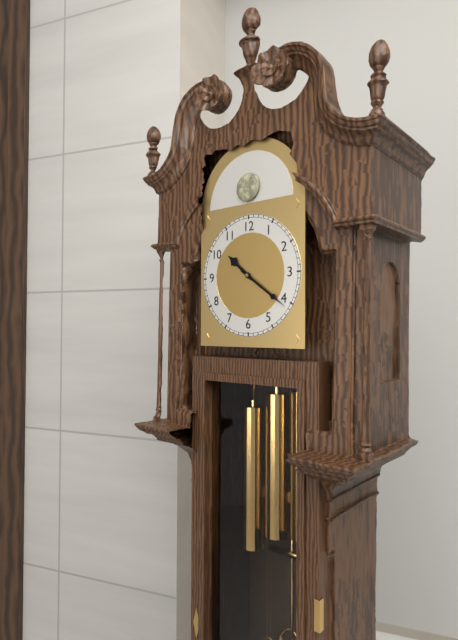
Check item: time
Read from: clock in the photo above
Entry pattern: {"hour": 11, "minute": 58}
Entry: {"hour": 10, "minute": 21}
